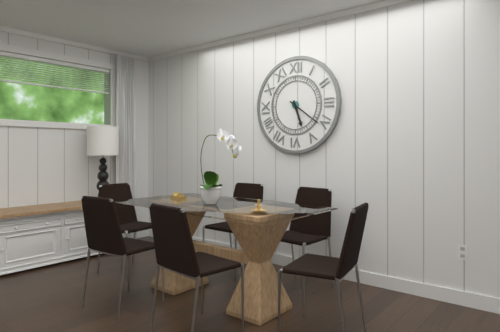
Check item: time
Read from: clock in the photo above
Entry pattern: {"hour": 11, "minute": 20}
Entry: {"hour": 5, "minute": 21}
